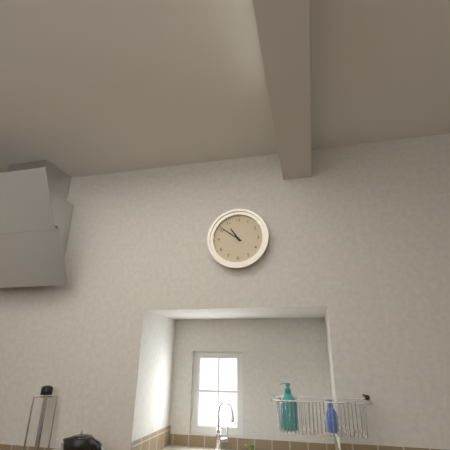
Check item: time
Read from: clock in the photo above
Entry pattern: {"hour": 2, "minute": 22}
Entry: {"hour": 10, "minute": 51}
